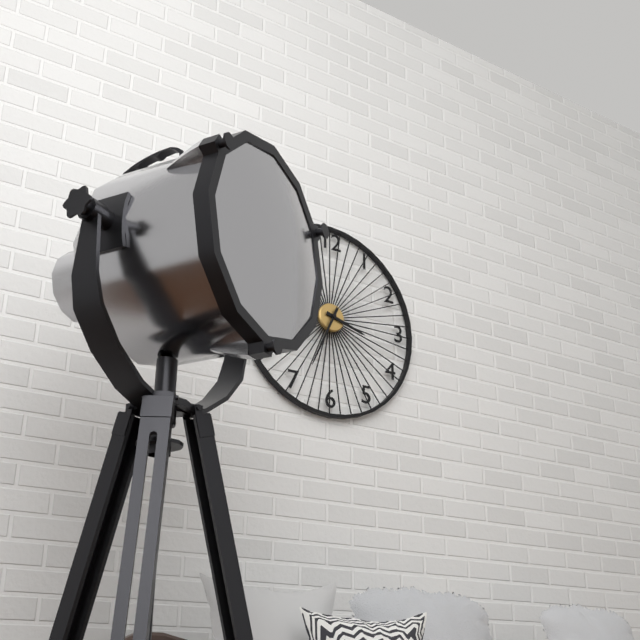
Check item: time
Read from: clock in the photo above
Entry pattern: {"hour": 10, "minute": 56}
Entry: {"hour": 3, "minute": 34}
